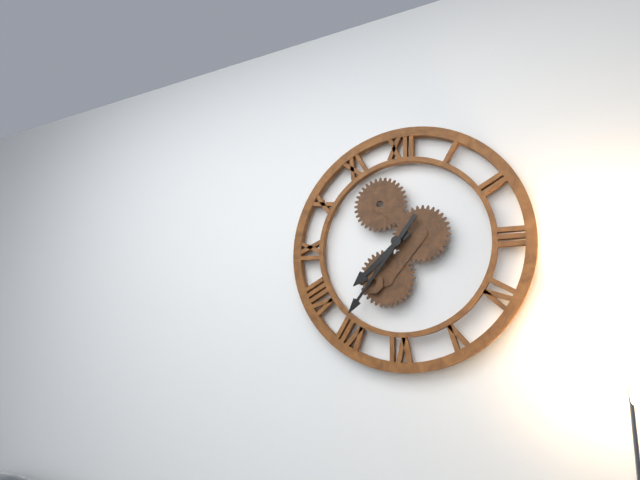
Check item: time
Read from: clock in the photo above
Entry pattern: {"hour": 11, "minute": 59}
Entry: {"hour": 7, "minute": 36}
